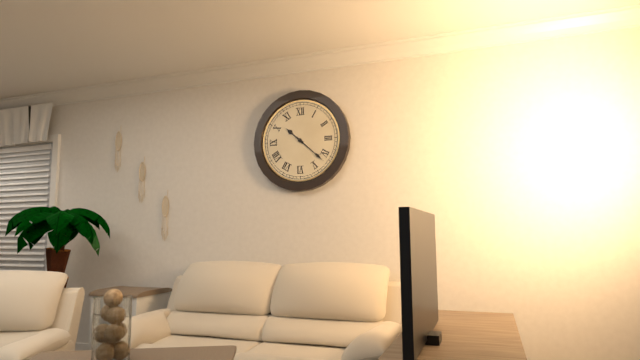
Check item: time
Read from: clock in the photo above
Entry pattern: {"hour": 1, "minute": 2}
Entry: {"hour": 10, "minute": 22}
